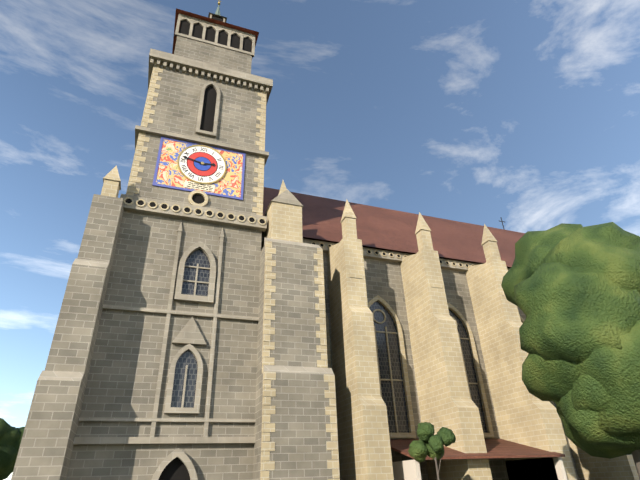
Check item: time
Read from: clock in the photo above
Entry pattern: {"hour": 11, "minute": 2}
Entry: {"hour": 2, "minute": 47}
